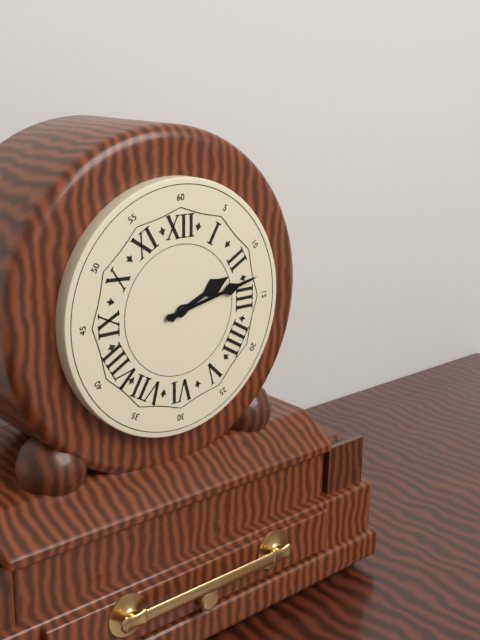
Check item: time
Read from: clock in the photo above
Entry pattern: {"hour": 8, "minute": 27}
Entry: {"hour": 2, "minute": 13}
